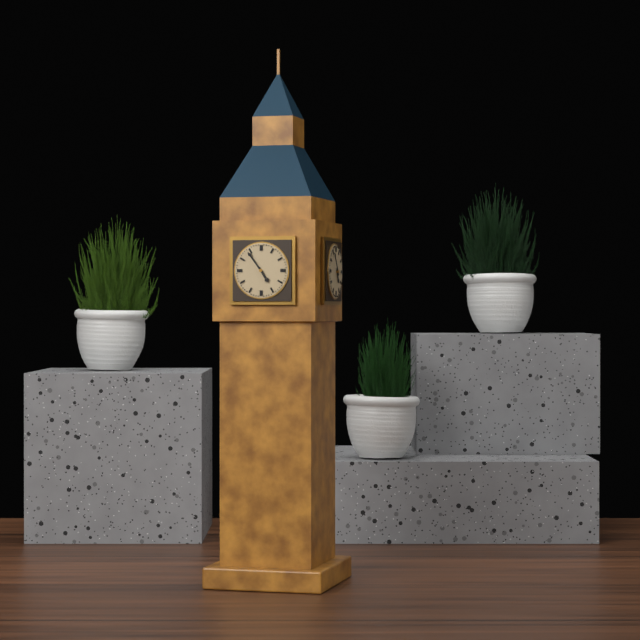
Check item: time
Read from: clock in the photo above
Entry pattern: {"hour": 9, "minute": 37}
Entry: {"hour": 4, "minute": 54}
